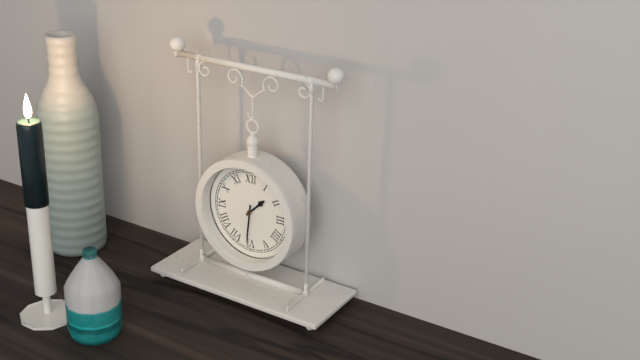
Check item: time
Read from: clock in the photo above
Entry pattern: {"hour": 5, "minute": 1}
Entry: {"hour": 1, "minute": 31}
